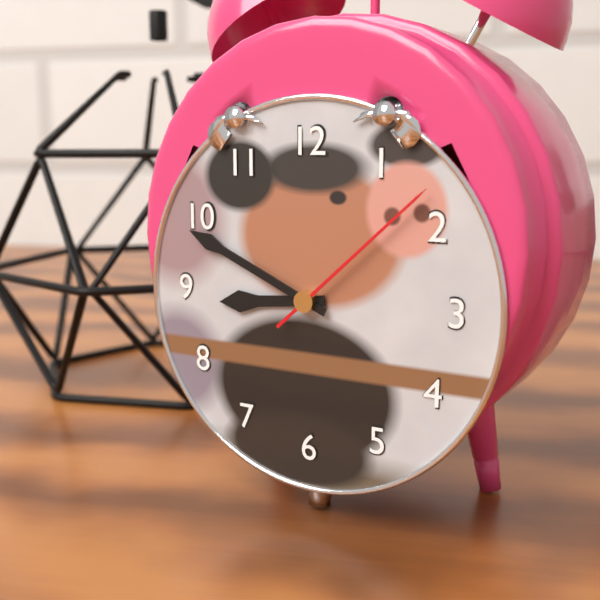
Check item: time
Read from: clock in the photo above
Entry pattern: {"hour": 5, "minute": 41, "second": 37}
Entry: {"hour": 8, "minute": 49, "second": 8}
